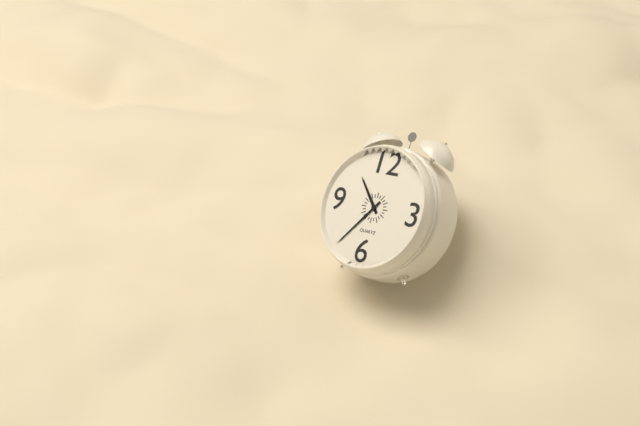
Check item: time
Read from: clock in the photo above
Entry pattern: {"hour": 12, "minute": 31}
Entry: {"hour": 10, "minute": 36}
